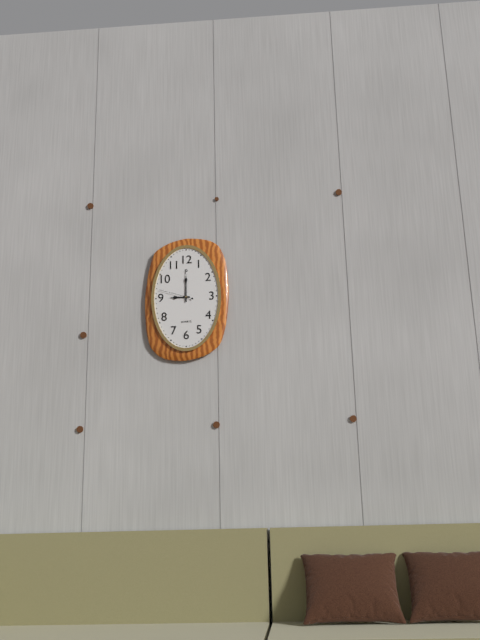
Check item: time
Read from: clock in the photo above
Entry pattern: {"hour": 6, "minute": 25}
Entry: {"hour": 9, "minute": 0}
